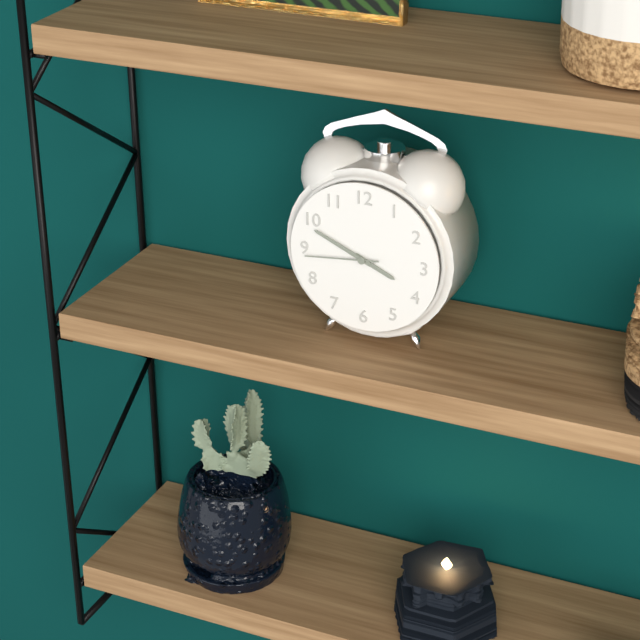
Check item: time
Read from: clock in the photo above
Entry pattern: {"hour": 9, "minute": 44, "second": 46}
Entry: {"hour": 3, "minute": 49, "second": 44}
